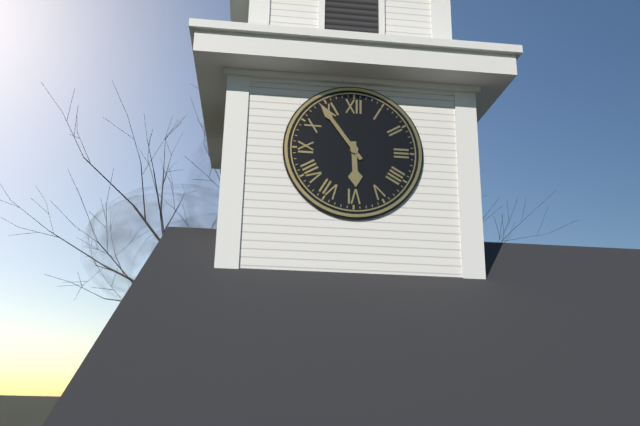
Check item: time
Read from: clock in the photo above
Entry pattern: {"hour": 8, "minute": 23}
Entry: {"hour": 5, "minute": 54}
